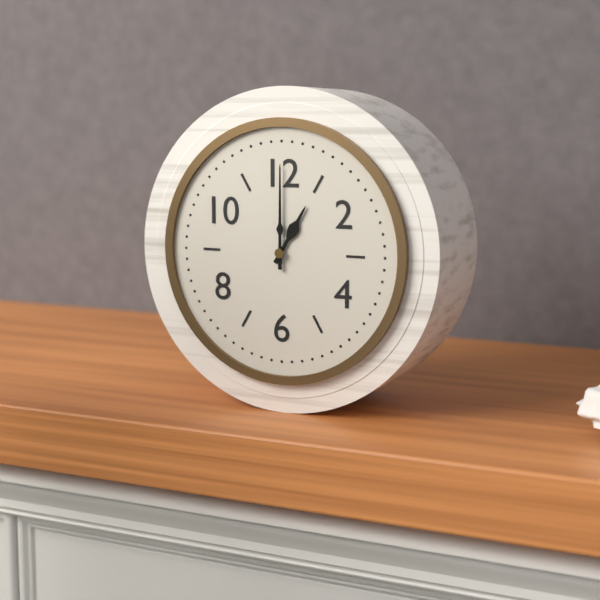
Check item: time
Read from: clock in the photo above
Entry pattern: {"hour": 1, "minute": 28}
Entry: {"hour": 1, "minute": 0}
